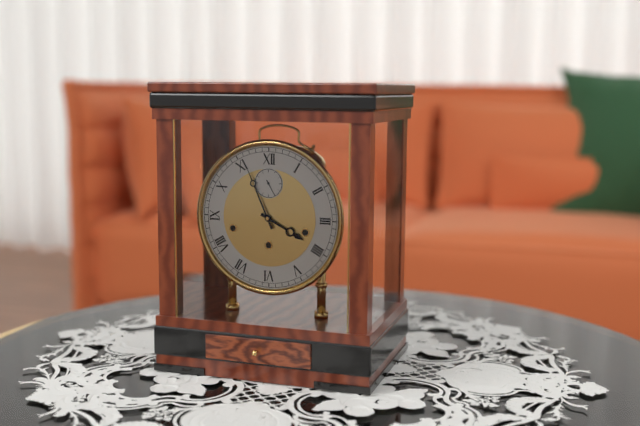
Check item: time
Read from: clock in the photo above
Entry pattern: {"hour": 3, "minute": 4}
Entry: {"hour": 3, "minute": 56}
